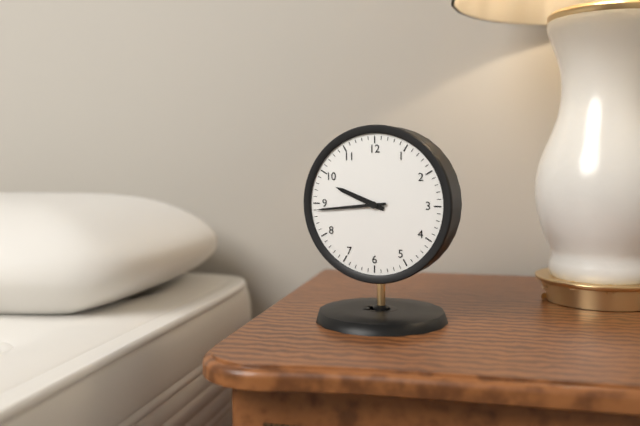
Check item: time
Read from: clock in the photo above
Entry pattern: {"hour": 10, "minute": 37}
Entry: {"hour": 9, "minute": 44}
